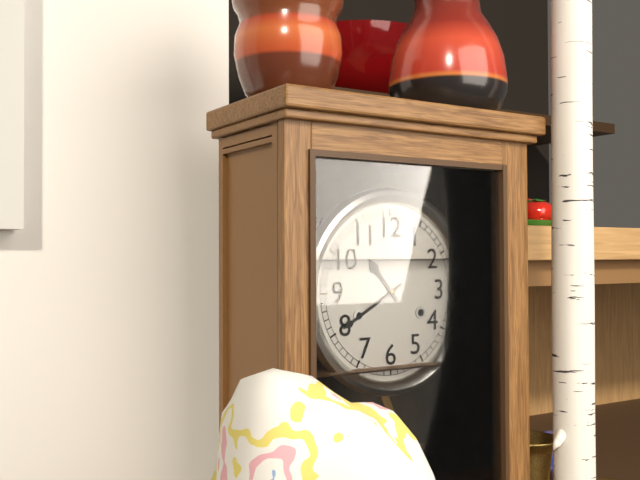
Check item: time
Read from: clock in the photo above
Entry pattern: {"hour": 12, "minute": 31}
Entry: {"hour": 10, "minute": 40}
